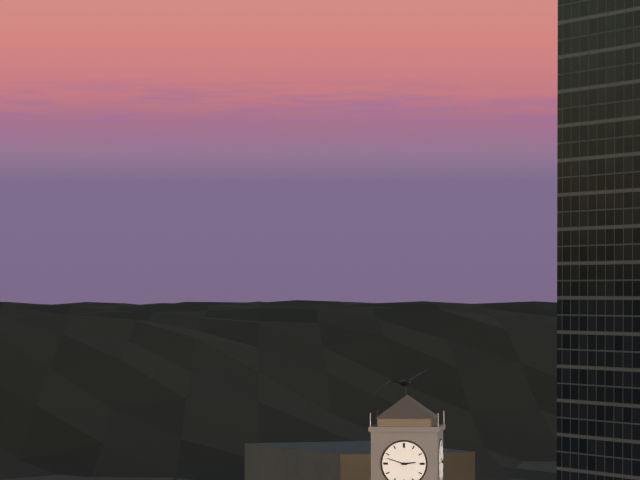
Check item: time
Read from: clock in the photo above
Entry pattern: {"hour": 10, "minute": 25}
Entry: {"hour": 2, "minute": 48}
